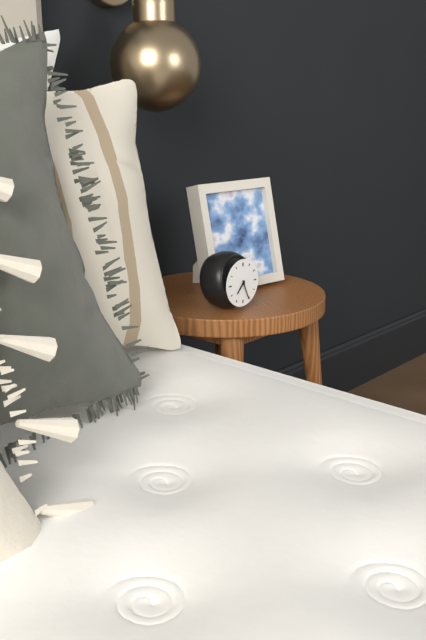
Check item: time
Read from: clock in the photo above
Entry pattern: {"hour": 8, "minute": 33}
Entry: {"hour": 7, "minute": 26}
